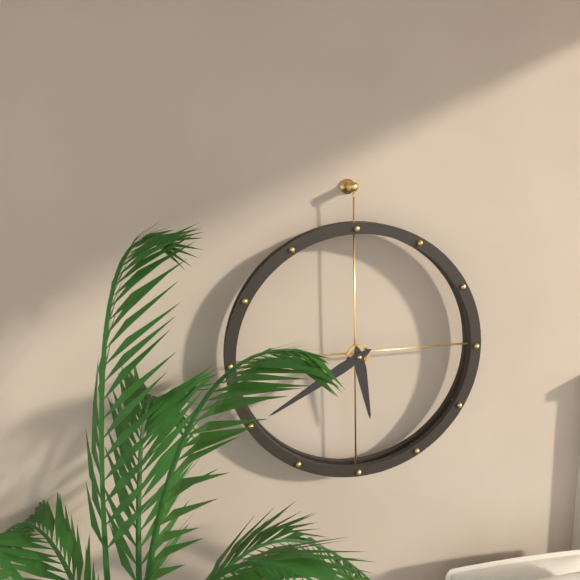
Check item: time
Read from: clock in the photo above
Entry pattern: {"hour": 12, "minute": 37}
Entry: {"hour": 5, "minute": 40}
